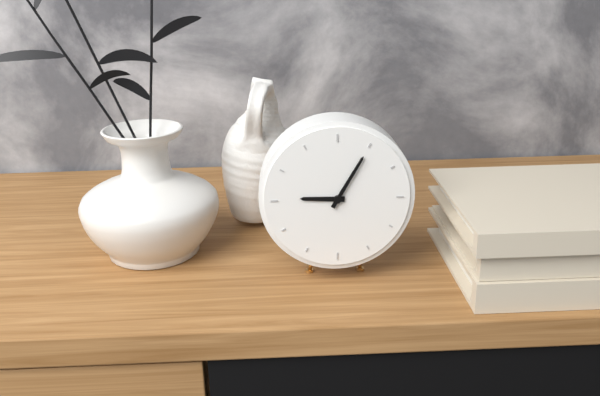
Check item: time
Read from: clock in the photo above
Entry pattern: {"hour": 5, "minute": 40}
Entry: {"hour": 9, "minute": 5}
